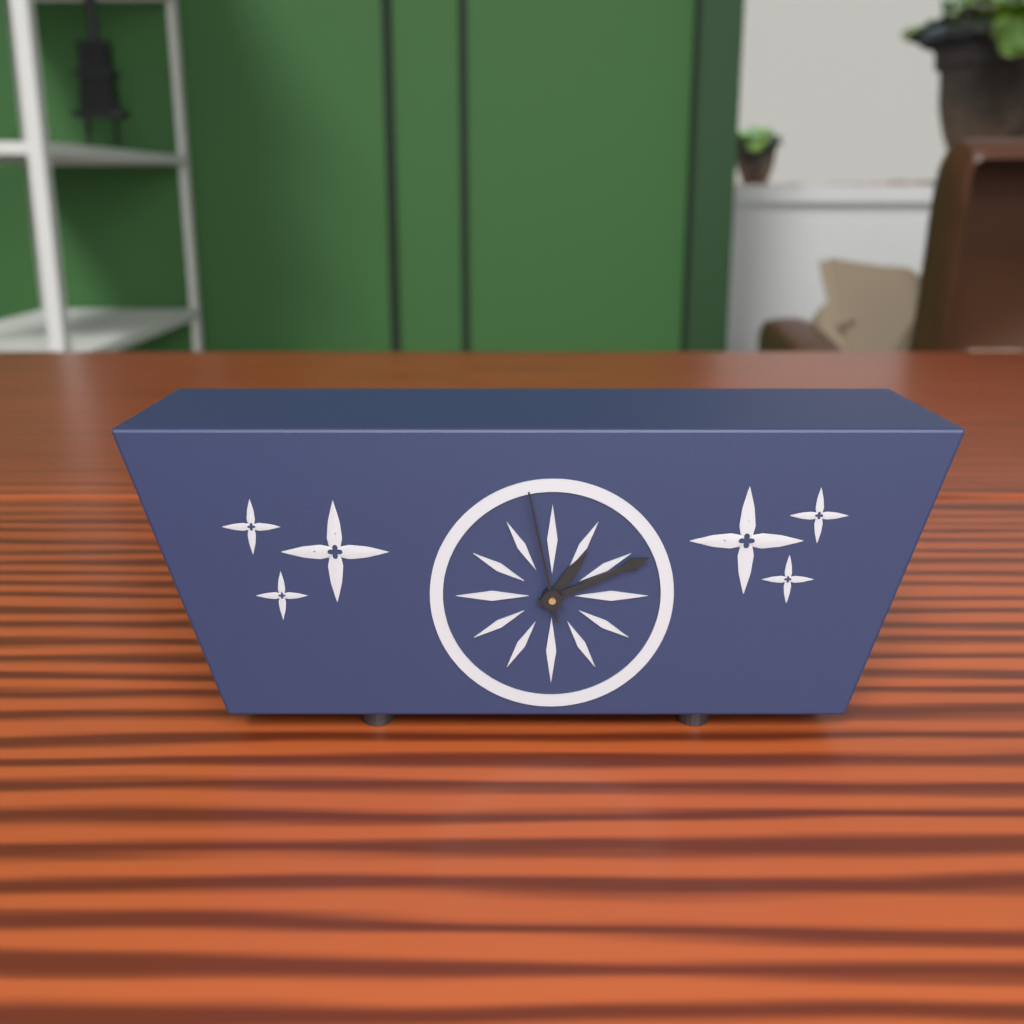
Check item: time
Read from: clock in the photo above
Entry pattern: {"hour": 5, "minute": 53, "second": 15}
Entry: {"hour": 1, "minute": 11, "second": 58}
